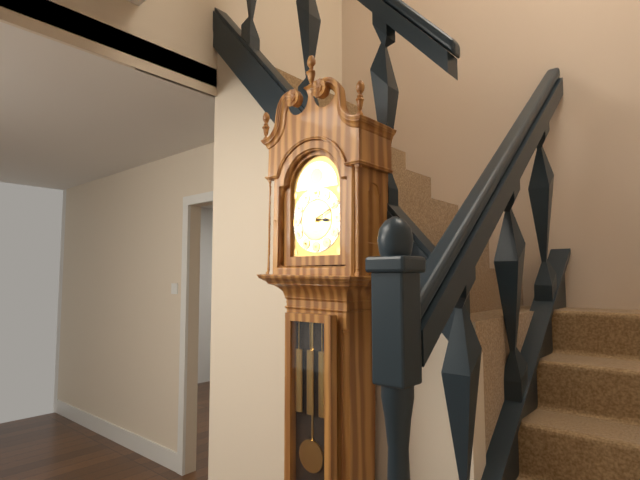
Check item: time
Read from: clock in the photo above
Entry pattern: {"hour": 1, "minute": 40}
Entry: {"hour": 3, "minute": 11}
